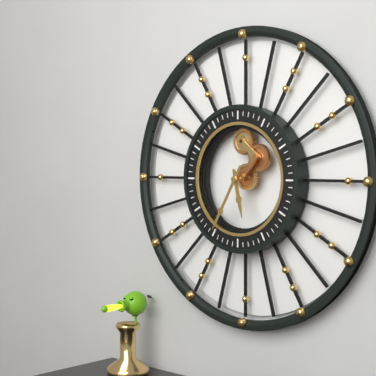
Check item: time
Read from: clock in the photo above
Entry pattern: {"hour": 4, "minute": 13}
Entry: {"hour": 5, "minute": 35}
